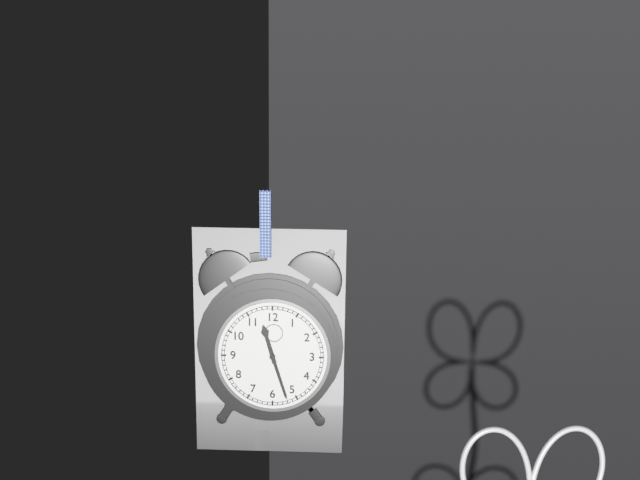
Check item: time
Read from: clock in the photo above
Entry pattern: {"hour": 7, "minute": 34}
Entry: {"hour": 11, "minute": 27}
